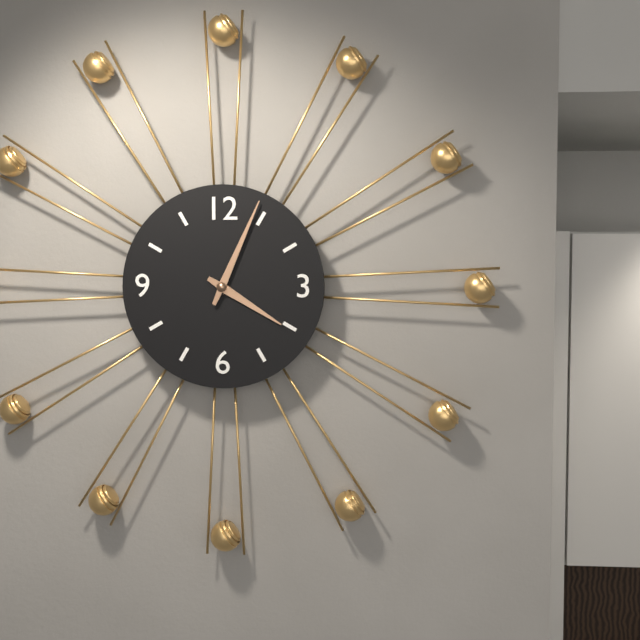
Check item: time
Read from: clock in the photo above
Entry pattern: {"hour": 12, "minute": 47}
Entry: {"hour": 4, "minute": 4}
